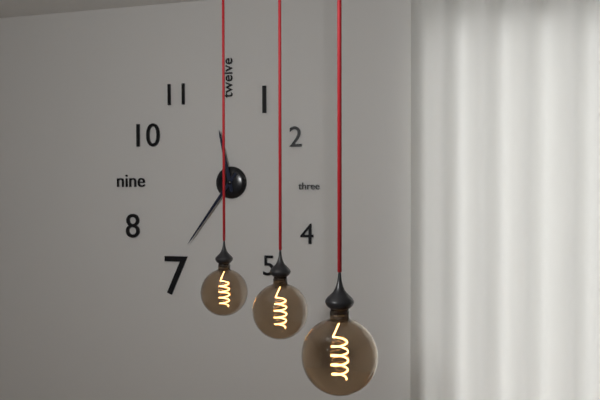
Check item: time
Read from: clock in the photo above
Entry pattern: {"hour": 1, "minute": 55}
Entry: {"hour": 11, "minute": 36}
